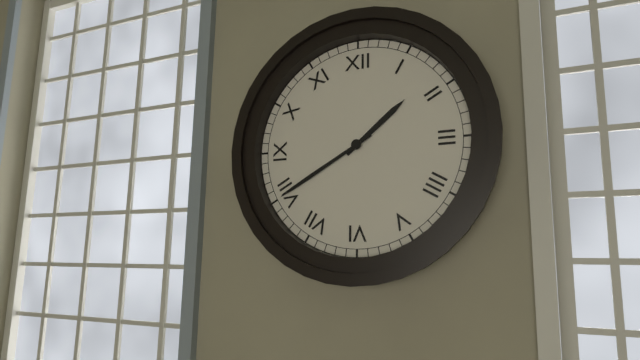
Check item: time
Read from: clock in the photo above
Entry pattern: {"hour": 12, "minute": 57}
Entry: {"hour": 1, "minute": 40}
